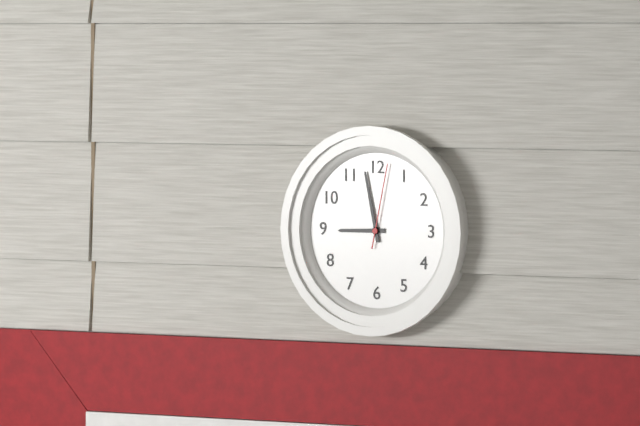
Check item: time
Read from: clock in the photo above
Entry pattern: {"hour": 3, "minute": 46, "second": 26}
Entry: {"hour": 8, "minute": 58, "second": 2}
